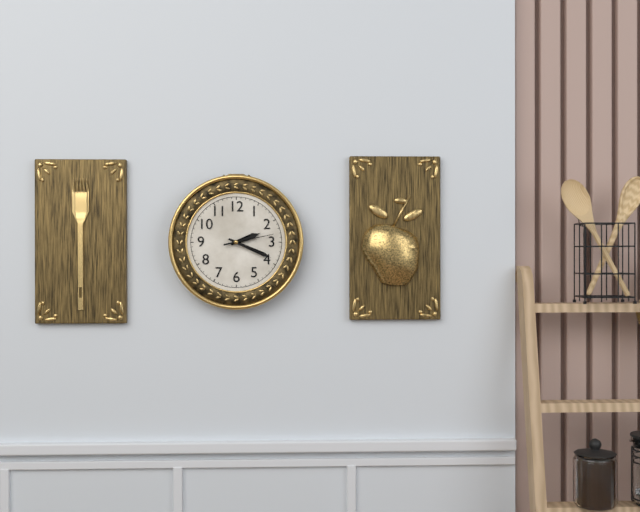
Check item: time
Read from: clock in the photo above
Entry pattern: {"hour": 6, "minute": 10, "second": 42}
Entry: {"hour": 2, "minute": 19, "second": 13}
